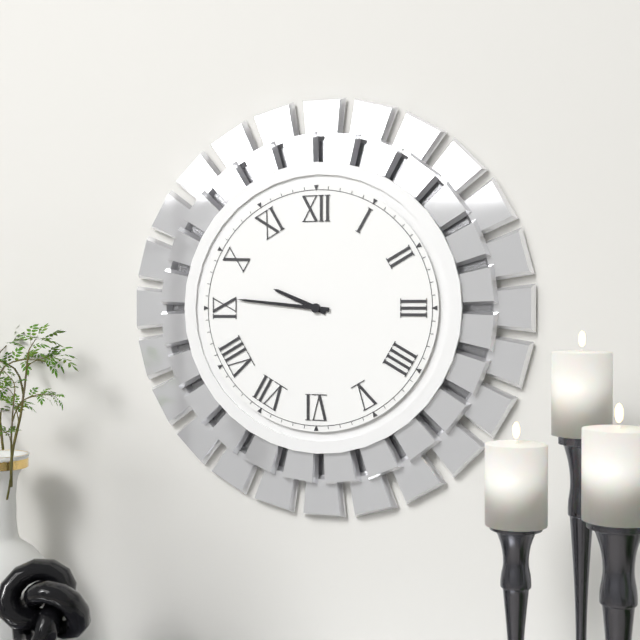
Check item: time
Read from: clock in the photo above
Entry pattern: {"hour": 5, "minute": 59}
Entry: {"hour": 9, "minute": 46}
